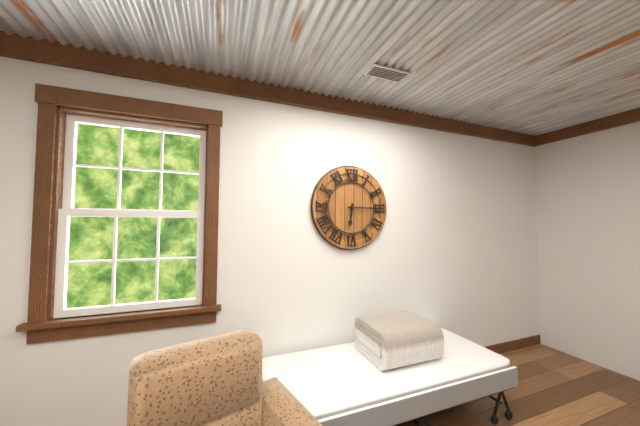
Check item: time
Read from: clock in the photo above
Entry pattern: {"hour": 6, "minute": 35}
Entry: {"hour": 6, "minute": 15}
